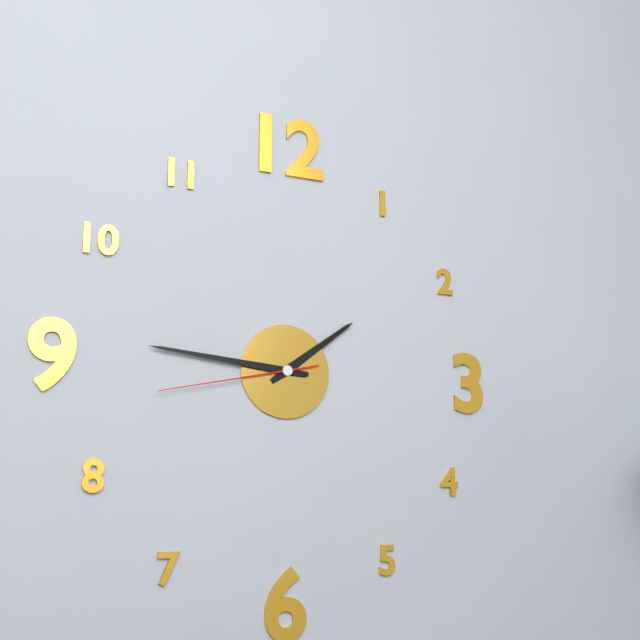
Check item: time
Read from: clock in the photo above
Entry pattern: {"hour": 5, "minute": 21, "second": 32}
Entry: {"hour": 1, "minute": 46, "second": 43}
